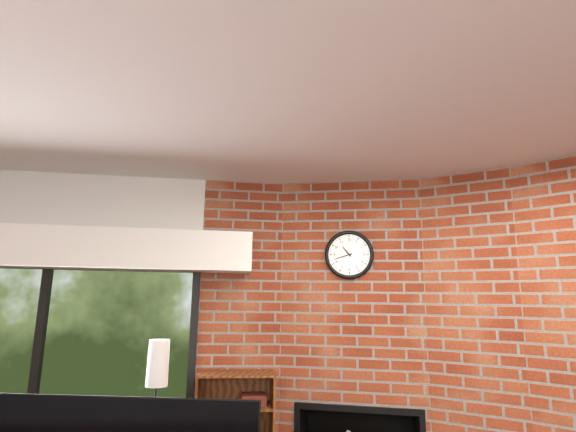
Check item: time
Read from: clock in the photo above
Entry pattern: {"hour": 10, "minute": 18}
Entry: {"hour": 10, "minute": 42}
